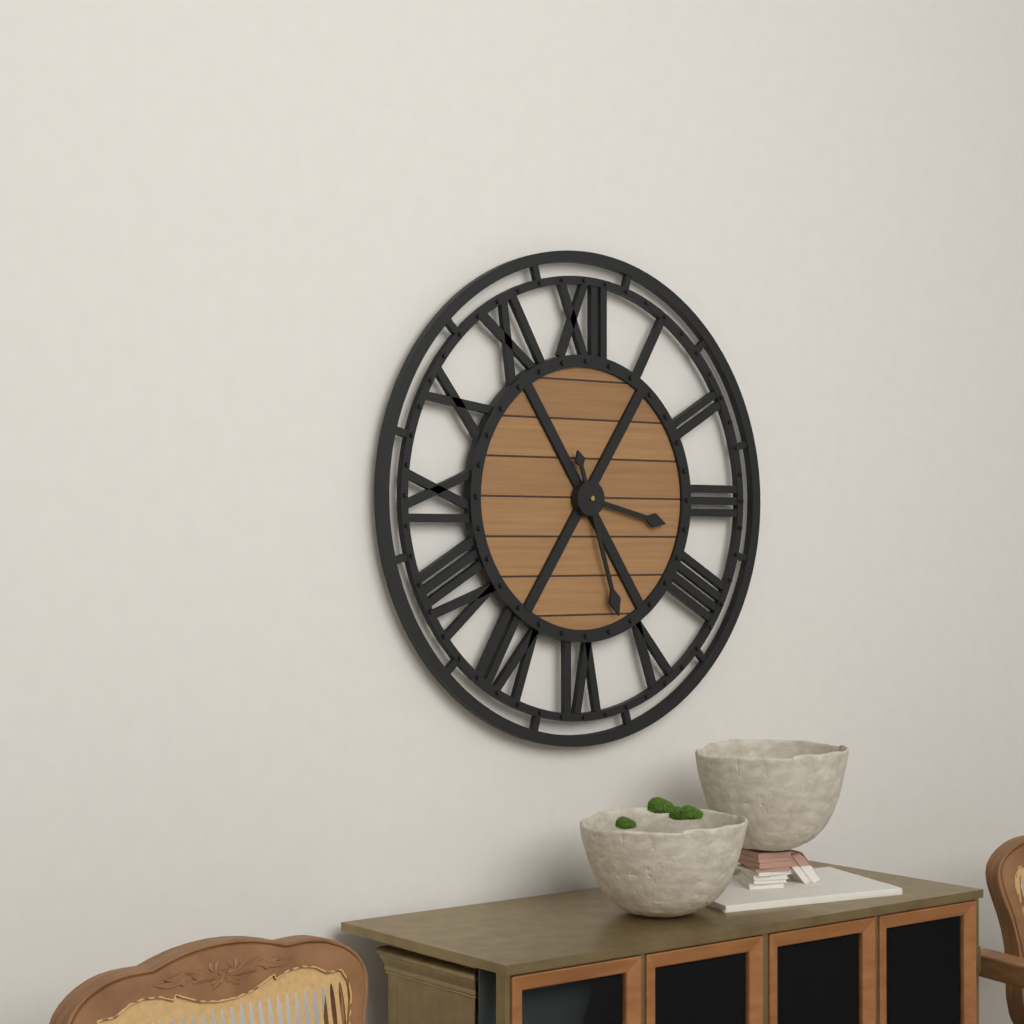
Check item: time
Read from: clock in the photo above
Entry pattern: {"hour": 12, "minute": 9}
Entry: {"hour": 3, "minute": 27}
